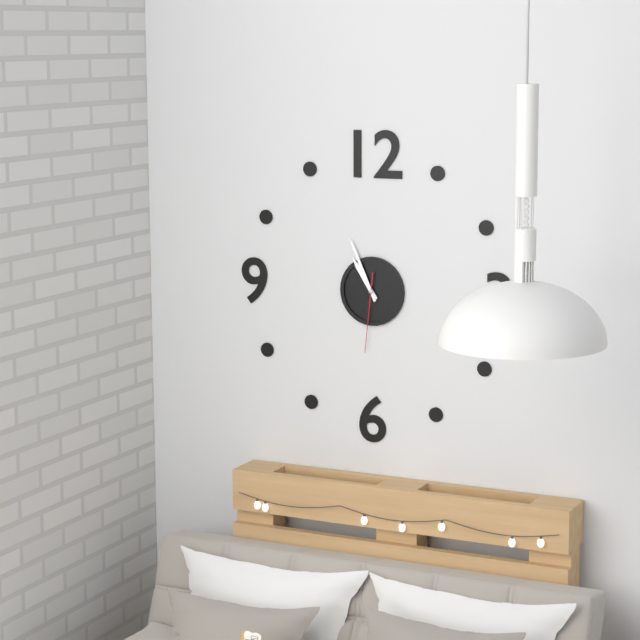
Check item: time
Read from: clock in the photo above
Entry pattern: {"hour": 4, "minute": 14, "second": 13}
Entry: {"hour": 10, "minute": 56, "second": 31}
